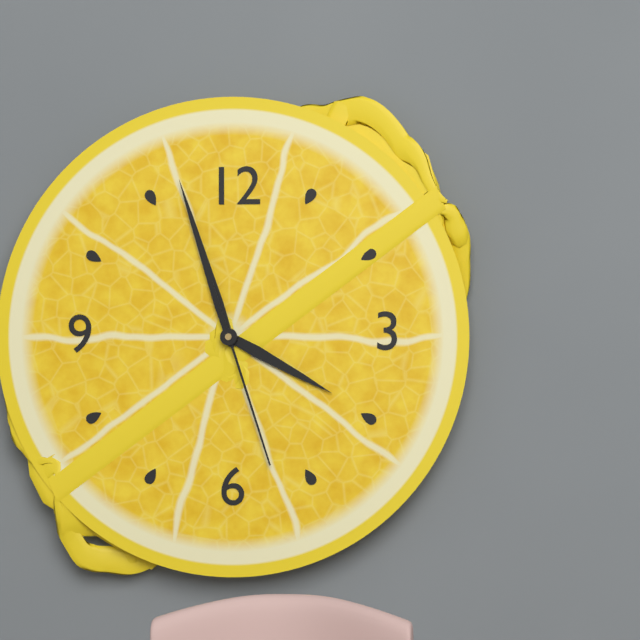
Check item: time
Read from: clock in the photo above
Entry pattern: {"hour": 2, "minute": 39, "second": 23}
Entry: {"hour": 3, "minute": 57, "second": 27}
